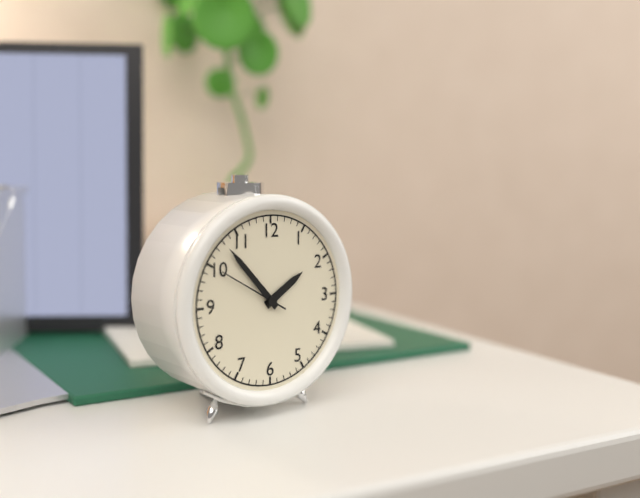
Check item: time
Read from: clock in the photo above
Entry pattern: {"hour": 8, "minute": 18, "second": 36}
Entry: {"hour": 1, "minute": 53, "second": 50}
